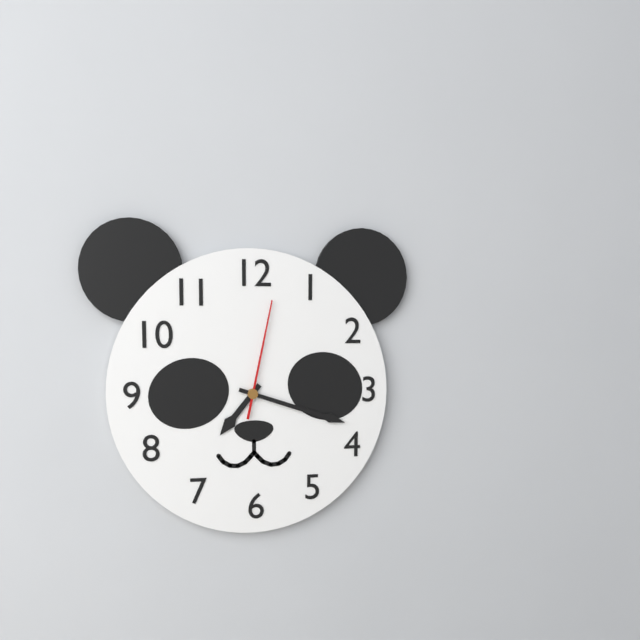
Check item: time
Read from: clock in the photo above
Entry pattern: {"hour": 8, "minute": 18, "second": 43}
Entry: {"hour": 7, "minute": 18, "second": 2}
